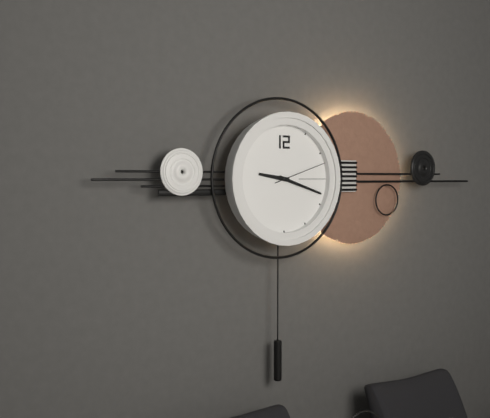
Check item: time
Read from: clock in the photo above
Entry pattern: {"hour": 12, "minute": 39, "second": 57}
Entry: {"hour": 9, "minute": 18, "second": 12}
